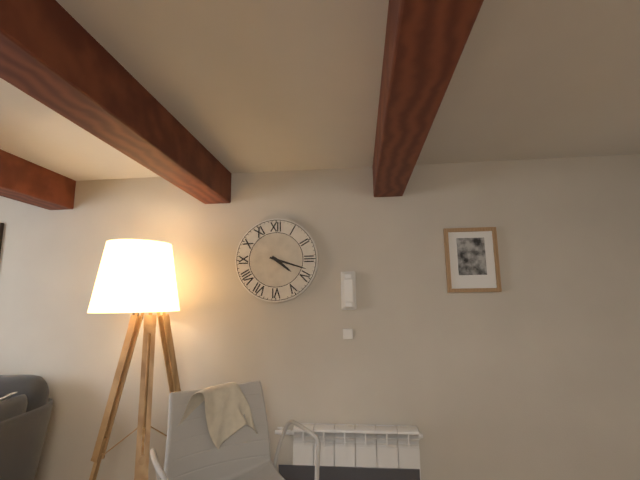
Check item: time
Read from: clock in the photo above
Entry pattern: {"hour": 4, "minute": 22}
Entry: {"hour": 4, "minute": 18}
